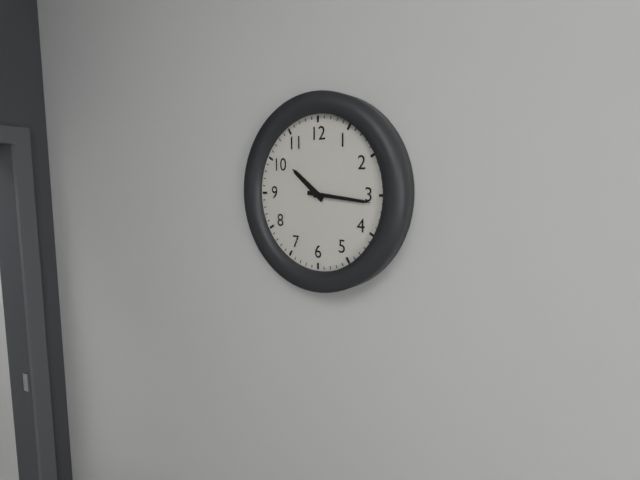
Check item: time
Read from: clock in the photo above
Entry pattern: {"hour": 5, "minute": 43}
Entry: {"hour": 10, "minute": 16}
